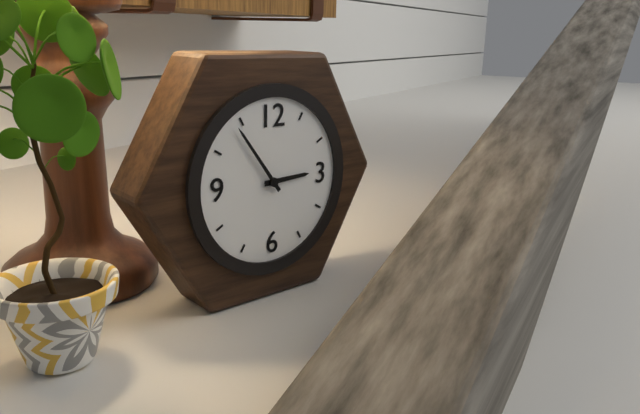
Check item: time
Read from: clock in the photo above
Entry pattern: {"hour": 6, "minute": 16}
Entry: {"hour": 2, "minute": 54}
